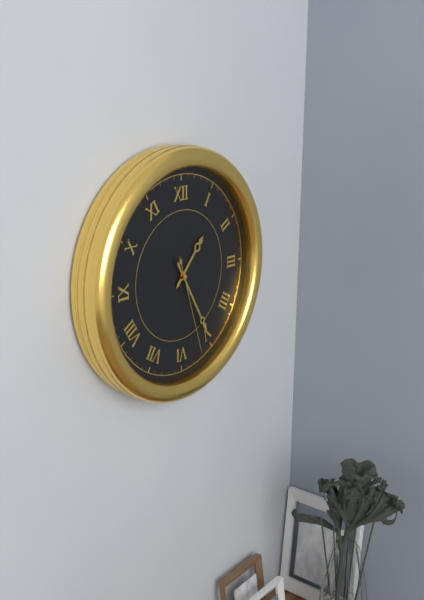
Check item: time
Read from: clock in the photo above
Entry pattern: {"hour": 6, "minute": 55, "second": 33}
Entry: {"hour": 1, "minute": 25, "second": 27}
